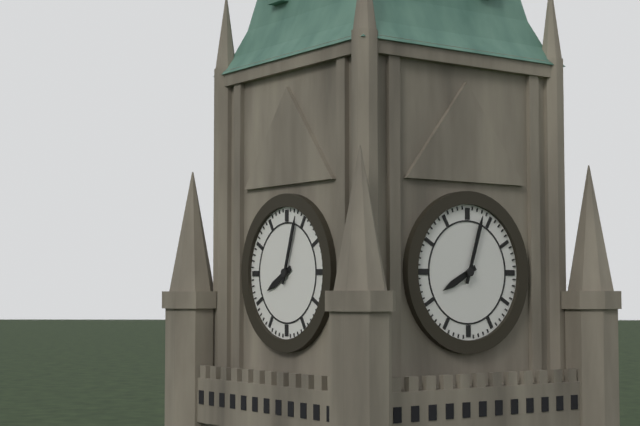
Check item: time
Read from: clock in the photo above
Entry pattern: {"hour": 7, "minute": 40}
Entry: {"hour": 8, "minute": 3}
